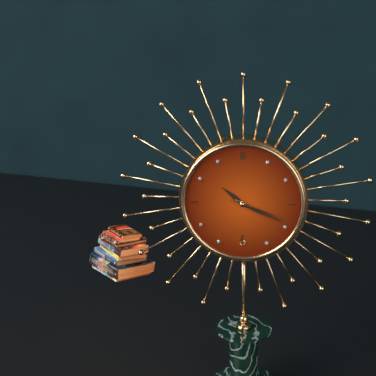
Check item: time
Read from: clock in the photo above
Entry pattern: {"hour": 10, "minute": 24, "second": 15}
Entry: {"hour": 10, "minute": 19, "second": 18}
